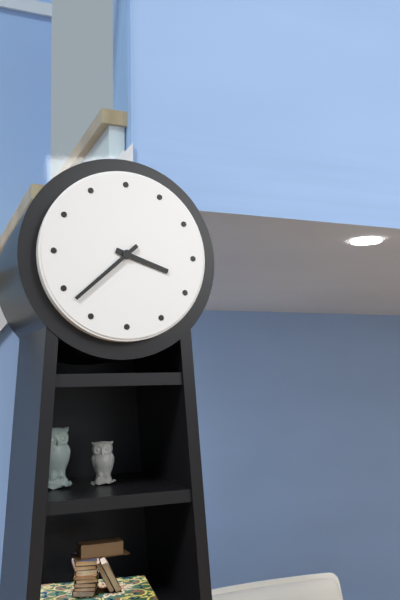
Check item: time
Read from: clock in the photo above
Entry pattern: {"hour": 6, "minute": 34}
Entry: {"hour": 3, "minute": 38}
